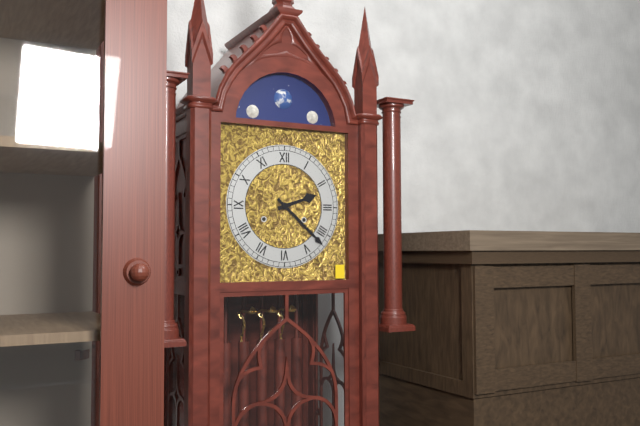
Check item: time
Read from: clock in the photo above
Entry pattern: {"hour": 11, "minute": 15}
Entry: {"hour": 2, "minute": 22}
